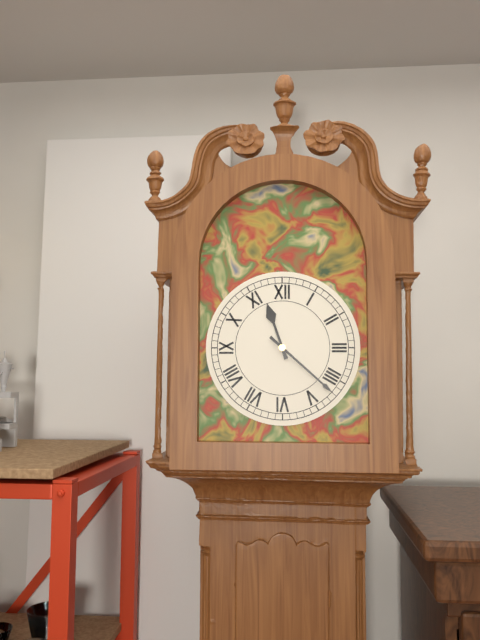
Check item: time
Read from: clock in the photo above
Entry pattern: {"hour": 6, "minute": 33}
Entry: {"hour": 11, "minute": 22}
